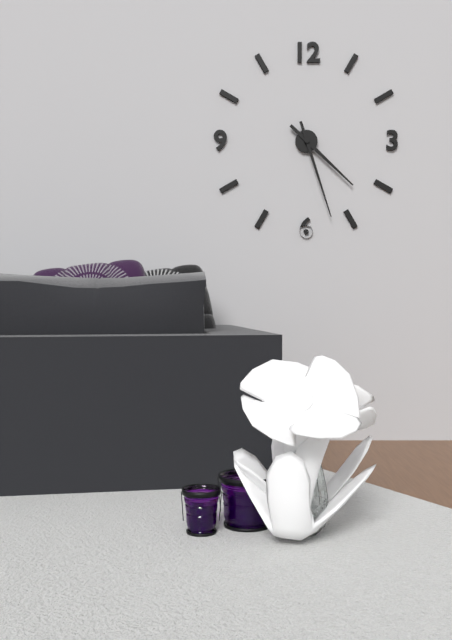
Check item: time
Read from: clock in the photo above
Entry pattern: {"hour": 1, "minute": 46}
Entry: {"hour": 4, "minute": 27}
